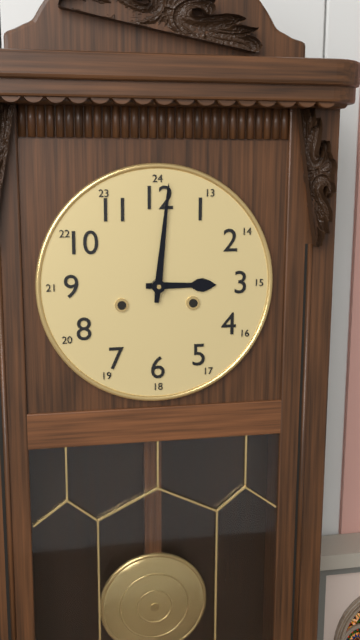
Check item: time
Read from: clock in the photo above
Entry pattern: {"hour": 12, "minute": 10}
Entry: {"hour": 3, "minute": 1}
